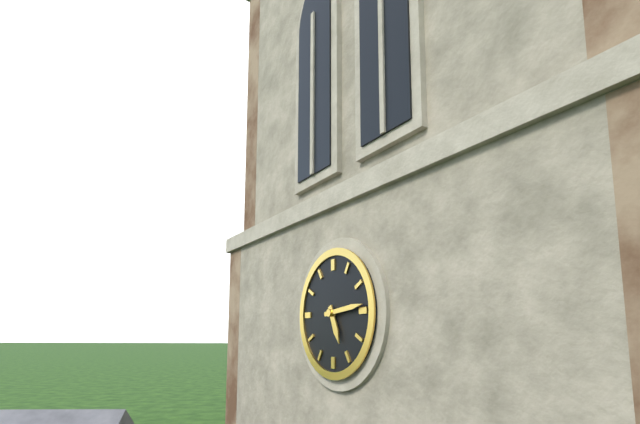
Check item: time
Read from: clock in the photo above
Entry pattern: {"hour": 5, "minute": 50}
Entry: {"hour": 5, "minute": 14}
